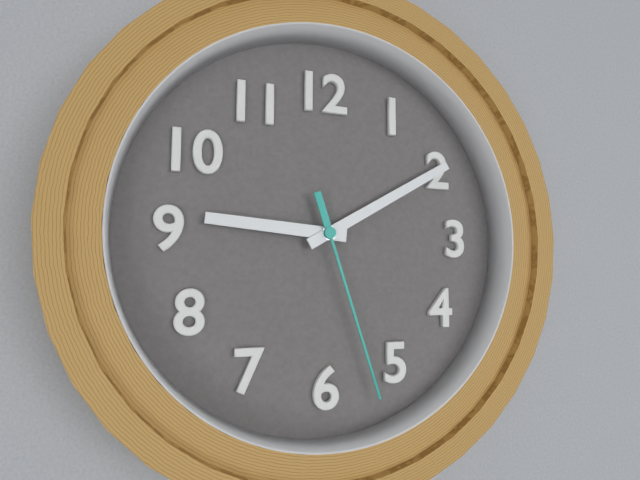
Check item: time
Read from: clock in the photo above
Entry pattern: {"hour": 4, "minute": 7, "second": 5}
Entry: {"hour": 9, "minute": 10, "second": 27}
